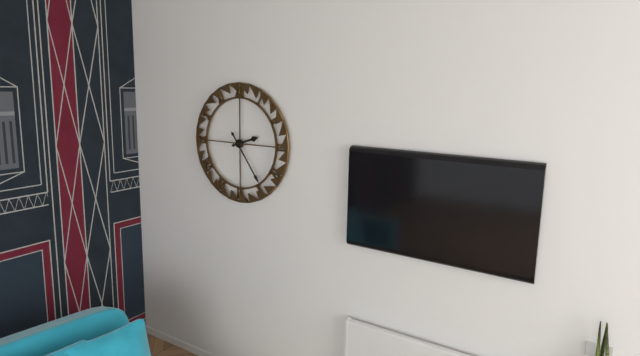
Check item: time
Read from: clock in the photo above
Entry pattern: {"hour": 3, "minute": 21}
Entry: {"hour": 2, "minute": 24}
